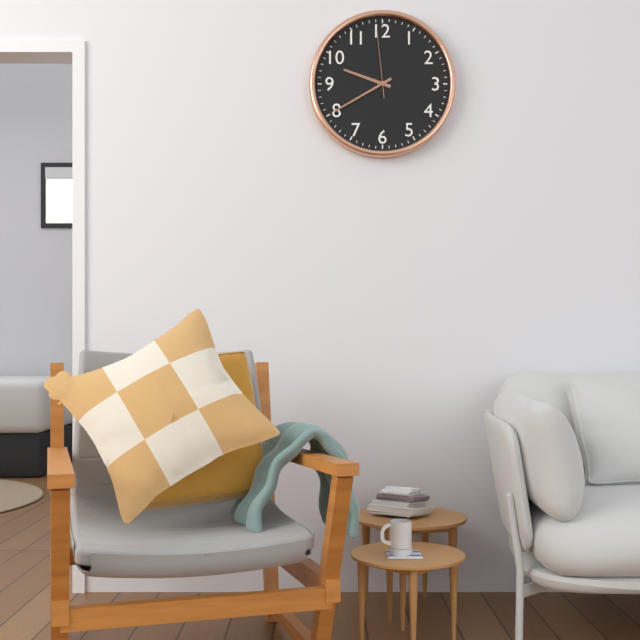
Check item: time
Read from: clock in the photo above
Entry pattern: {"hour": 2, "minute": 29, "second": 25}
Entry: {"hour": 9, "minute": 40, "second": 59}
